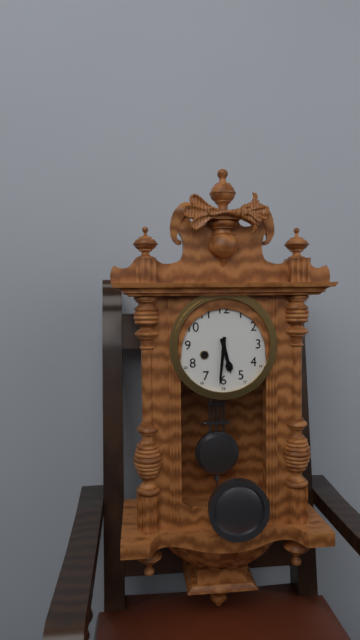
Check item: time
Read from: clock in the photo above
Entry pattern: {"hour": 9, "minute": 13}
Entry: {"hour": 5, "minute": 31}
